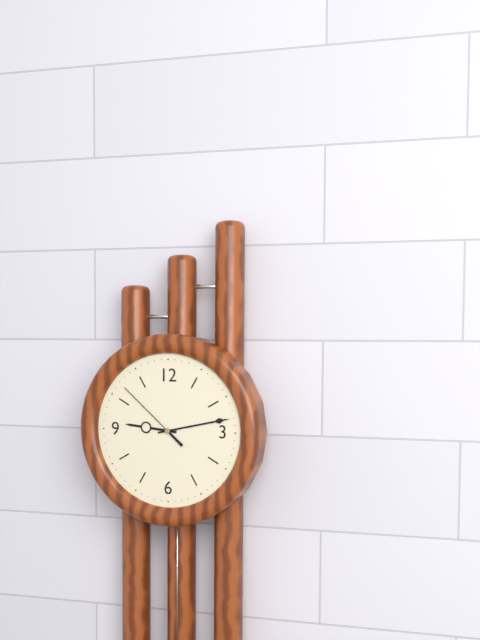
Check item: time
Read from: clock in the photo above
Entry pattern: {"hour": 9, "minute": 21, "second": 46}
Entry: {"hour": 9, "minute": 13, "second": 52}
